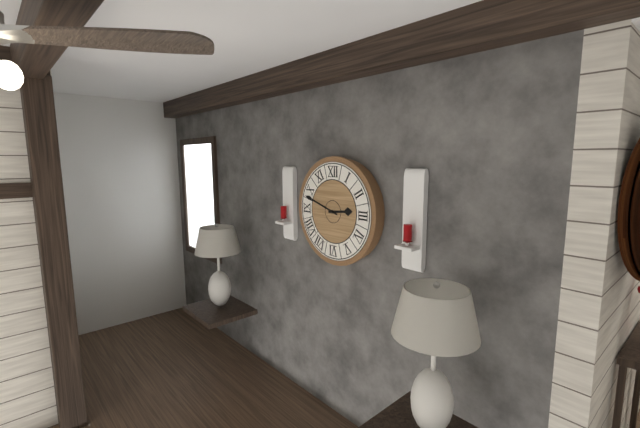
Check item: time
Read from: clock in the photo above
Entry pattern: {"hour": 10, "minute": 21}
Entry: {"hour": 2, "minute": 48}
